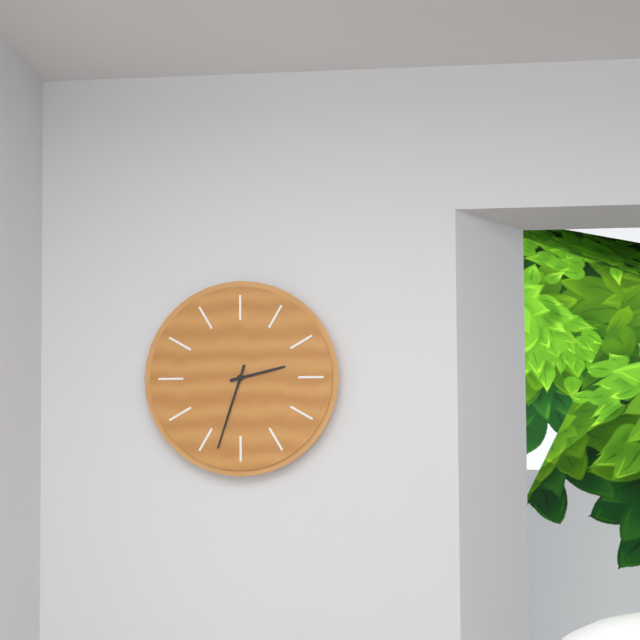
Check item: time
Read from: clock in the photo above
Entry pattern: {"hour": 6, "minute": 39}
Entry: {"hour": 2, "minute": 33}
